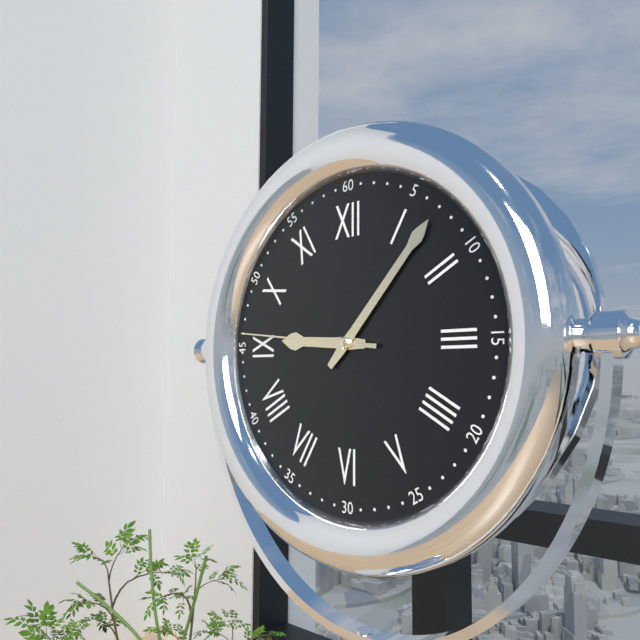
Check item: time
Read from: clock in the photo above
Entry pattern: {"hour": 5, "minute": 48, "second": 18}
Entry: {"hour": 9, "minute": 7, "second": 46}
